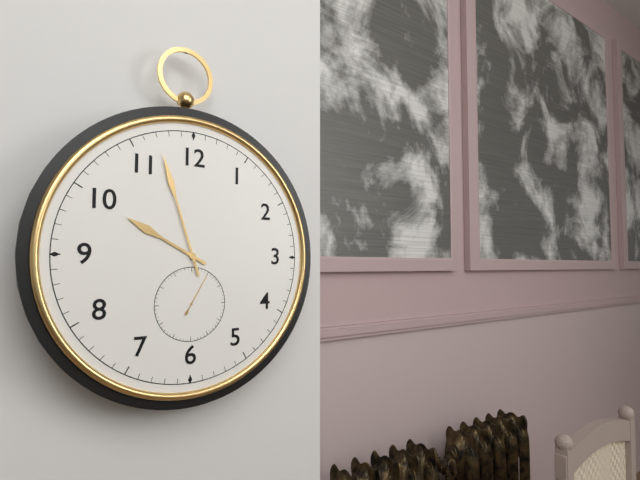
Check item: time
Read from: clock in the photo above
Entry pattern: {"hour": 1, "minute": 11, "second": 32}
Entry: {"hour": 9, "minute": 57, "second": 5}
